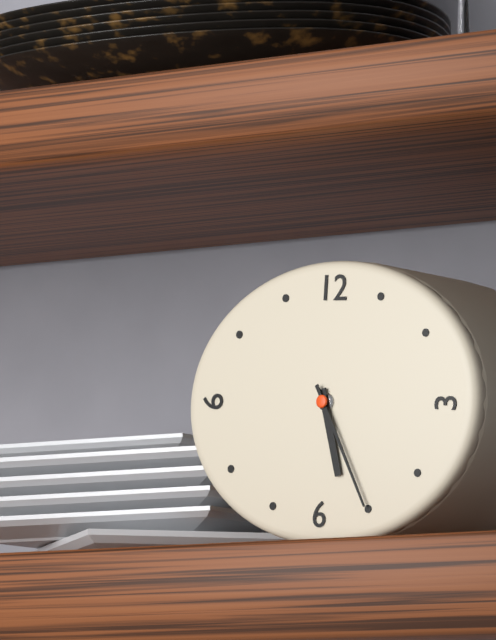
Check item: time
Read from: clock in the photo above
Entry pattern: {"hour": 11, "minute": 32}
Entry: {"hour": 5, "minute": 25}
